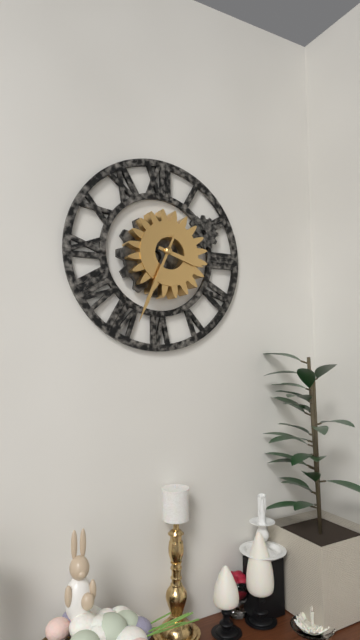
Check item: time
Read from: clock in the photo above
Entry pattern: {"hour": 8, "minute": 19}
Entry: {"hour": 3, "minute": 34}
